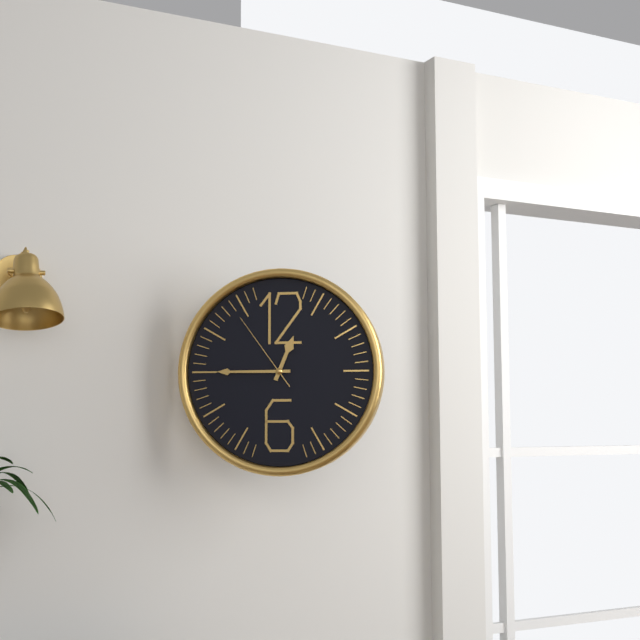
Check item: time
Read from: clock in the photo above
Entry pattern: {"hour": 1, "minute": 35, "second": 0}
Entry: {"hour": 12, "minute": 45, "second": 54}
